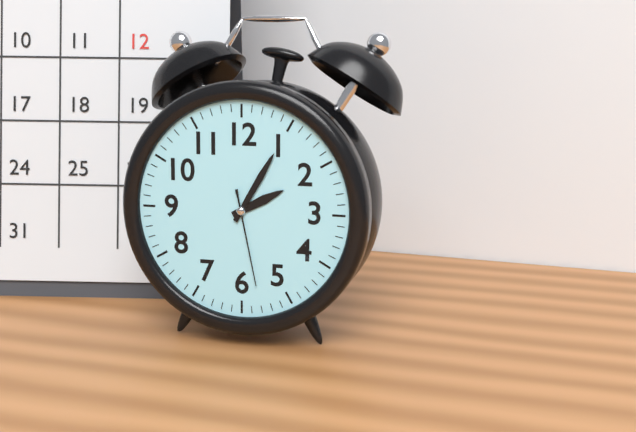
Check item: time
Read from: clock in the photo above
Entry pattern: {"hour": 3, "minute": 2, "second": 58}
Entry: {"hour": 2, "minute": 5, "second": 28}
